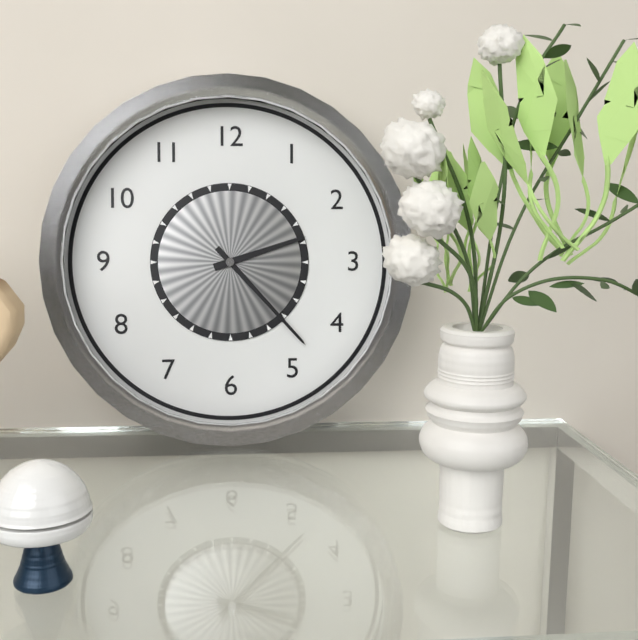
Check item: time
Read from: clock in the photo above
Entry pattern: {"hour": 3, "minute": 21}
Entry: {"hour": 2, "minute": 23}
